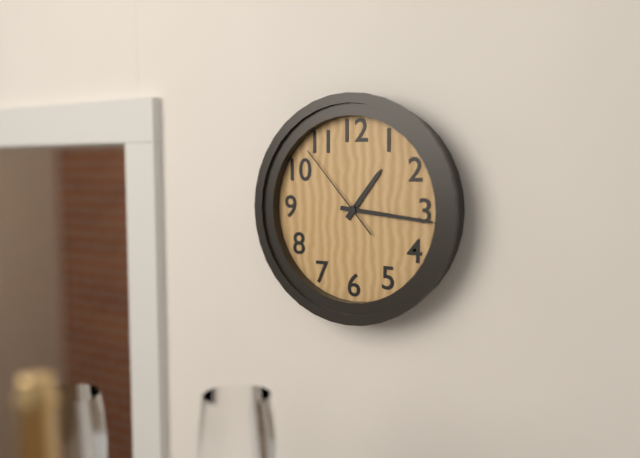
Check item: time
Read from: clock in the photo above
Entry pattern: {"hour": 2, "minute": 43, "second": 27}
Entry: {"hour": 1, "minute": 16, "second": 53}
